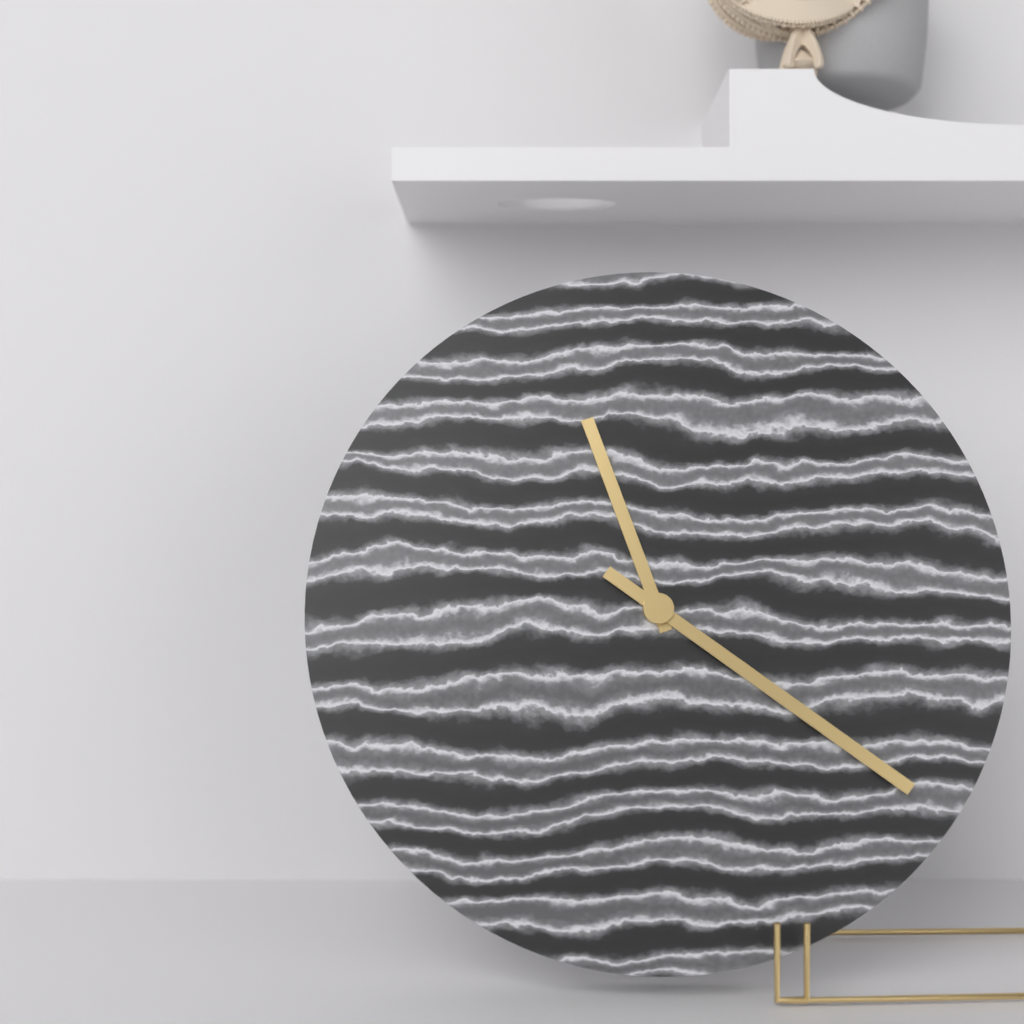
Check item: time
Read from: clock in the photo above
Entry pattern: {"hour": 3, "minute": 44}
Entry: {"hour": 11, "minute": 21}
